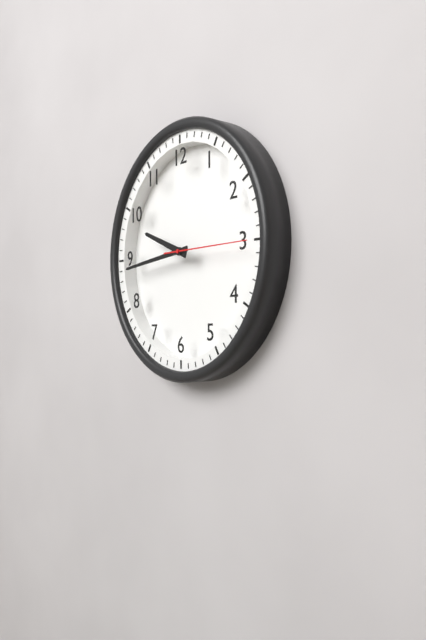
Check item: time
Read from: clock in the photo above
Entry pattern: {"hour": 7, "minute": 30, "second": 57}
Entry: {"hour": 9, "minute": 44, "second": 15}
